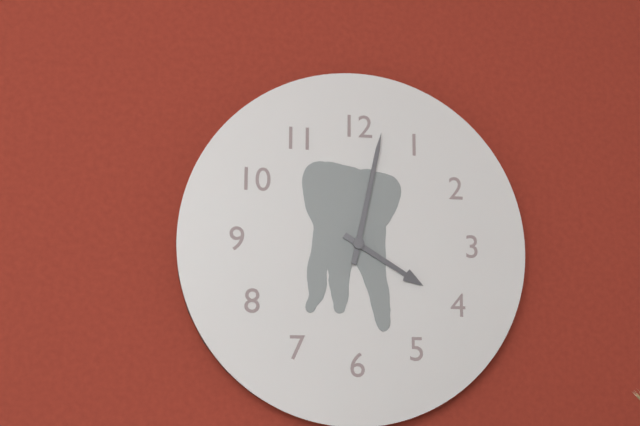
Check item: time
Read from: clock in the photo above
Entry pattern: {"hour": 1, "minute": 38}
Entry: {"hour": 4, "minute": 2}
